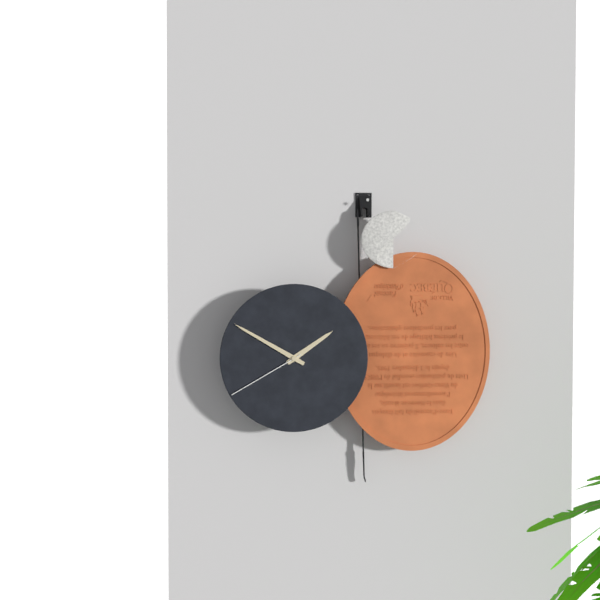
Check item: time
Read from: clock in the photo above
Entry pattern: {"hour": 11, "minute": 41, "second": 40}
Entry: {"hour": 1, "minute": 50, "second": 40}
